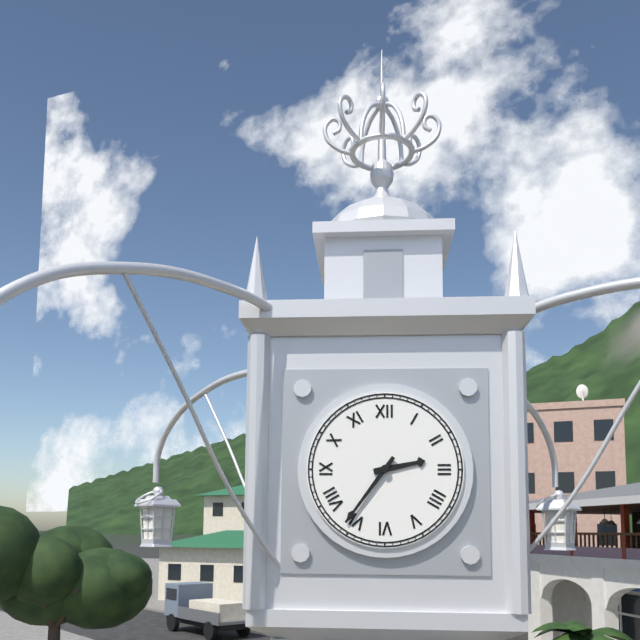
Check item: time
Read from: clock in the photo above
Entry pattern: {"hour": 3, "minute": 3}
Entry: {"hour": 2, "minute": 36}
